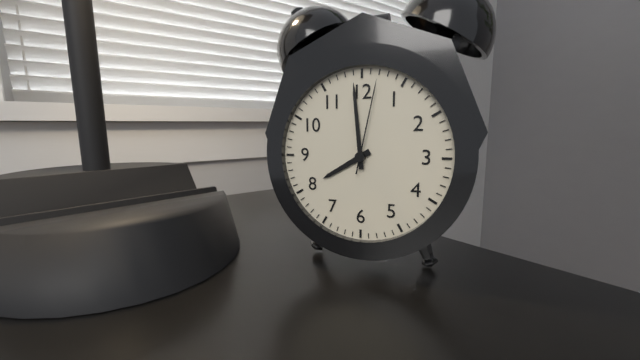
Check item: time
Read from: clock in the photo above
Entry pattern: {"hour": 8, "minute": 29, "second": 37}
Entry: {"hour": 7, "minute": 59, "second": 2}
